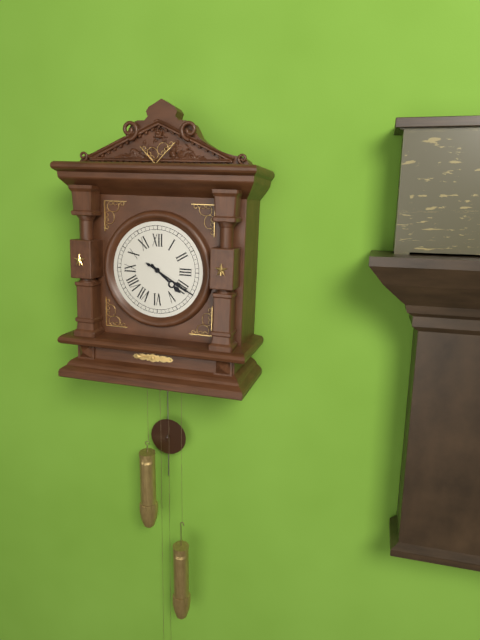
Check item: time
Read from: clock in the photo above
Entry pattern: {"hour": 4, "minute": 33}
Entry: {"hour": 4, "minute": 20}
